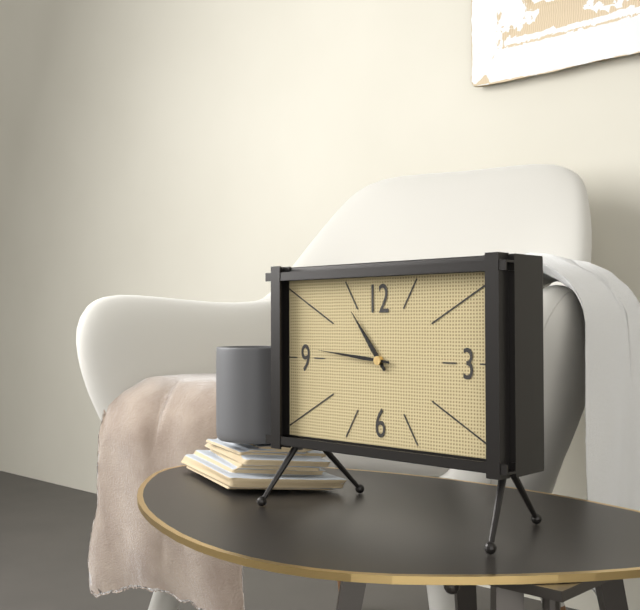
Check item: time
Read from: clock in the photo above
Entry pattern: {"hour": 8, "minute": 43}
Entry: {"hour": 10, "minute": 46}
